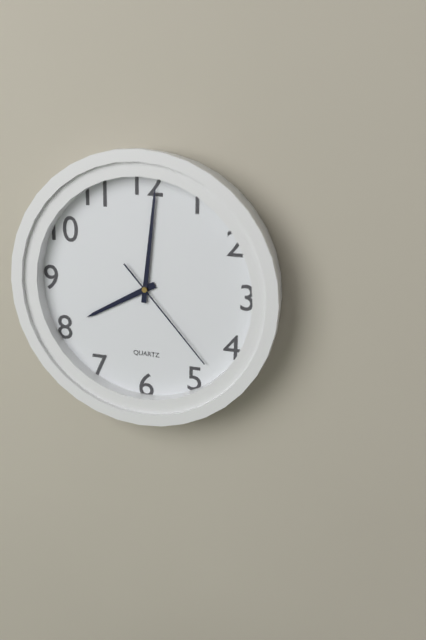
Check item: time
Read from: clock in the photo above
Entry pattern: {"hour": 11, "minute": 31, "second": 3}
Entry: {"hour": 8, "minute": 1, "second": 23}
